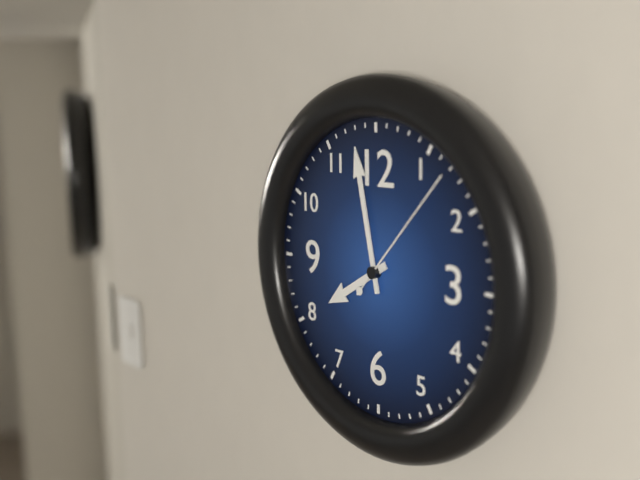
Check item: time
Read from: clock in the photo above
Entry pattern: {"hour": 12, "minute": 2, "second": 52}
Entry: {"hour": 7, "minute": 58, "second": 7}
